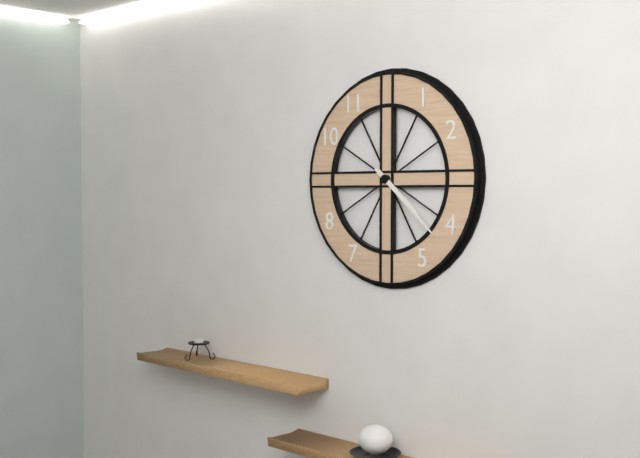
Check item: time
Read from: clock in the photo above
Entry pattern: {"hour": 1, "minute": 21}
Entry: {"hour": 4, "minute": 22}
